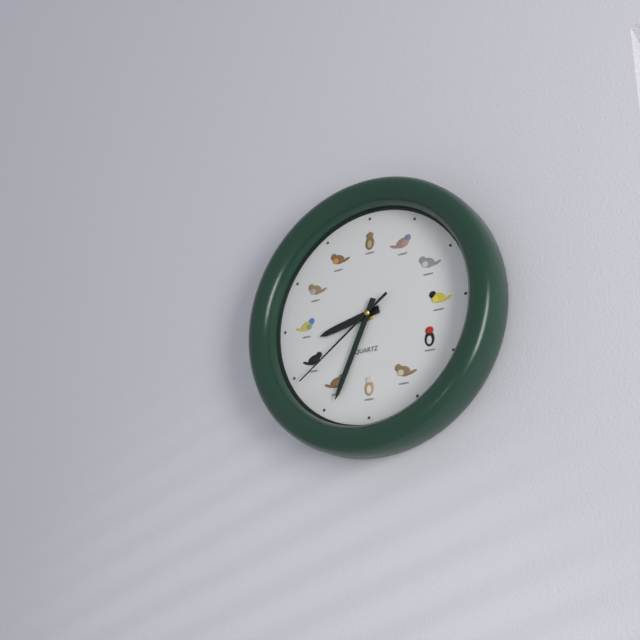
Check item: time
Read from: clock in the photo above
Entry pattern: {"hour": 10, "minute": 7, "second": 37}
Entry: {"hour": 8, "minute": 34, "second": 39}
